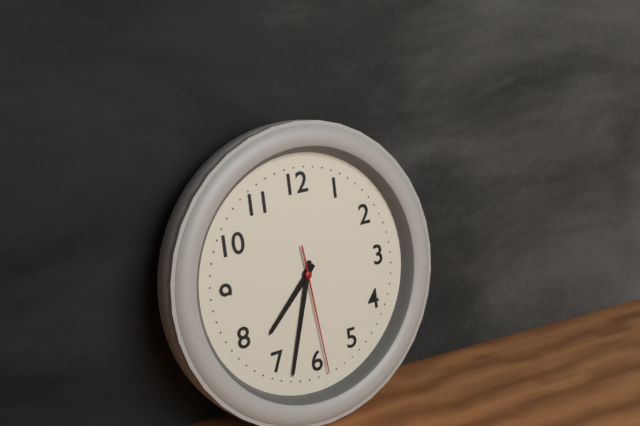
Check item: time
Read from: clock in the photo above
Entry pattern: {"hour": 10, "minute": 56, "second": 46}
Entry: {"hour": 7, "minute": 33, "second": 29}
